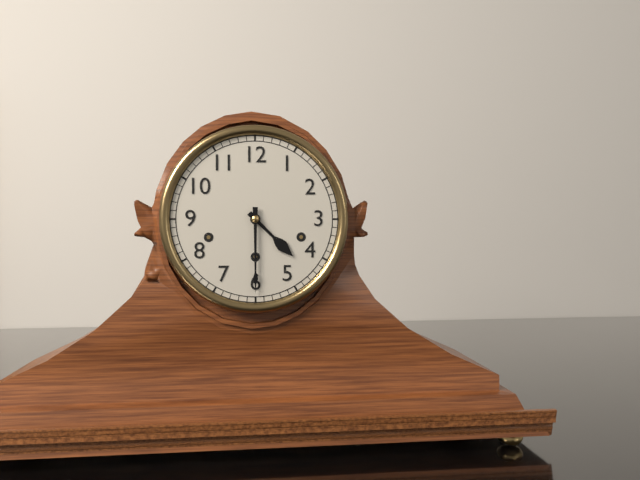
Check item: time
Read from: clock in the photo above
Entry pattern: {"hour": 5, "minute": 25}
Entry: {"hour": 4, "minute": 30}
